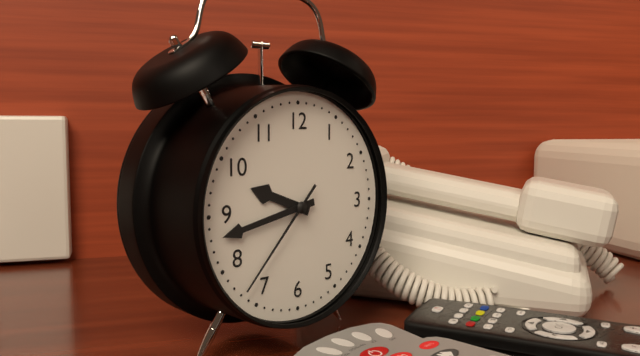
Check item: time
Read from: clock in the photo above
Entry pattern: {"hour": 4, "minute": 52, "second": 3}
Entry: {"hour": 9, "minute": 43, "second": 37}
